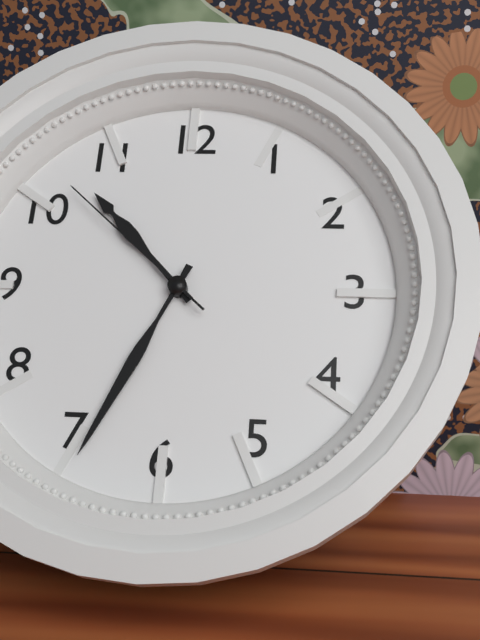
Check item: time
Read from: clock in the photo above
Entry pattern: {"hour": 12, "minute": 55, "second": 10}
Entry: {"hour": 10, "minute": 34, "second": 52}
